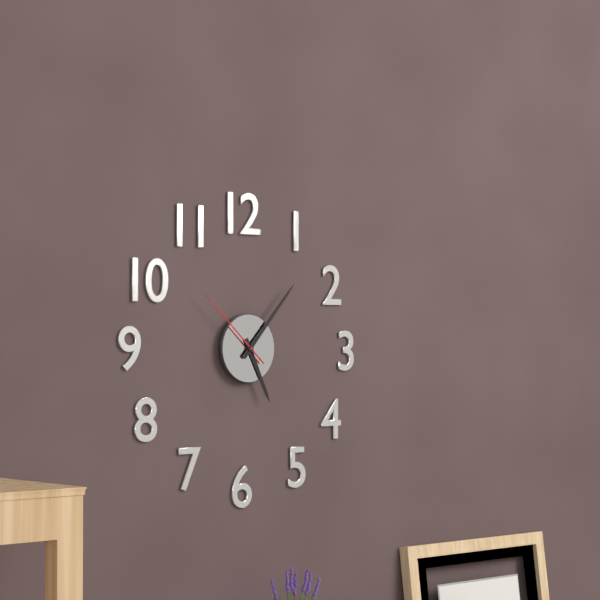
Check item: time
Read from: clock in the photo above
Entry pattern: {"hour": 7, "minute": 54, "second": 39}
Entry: {"hour": 5, "minute": 7, "second": 52}
